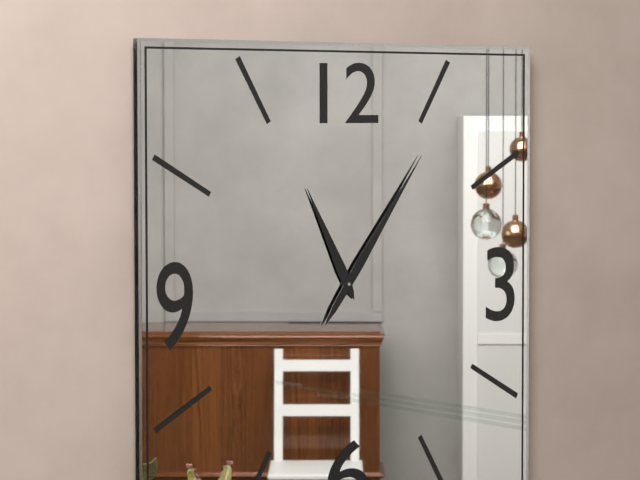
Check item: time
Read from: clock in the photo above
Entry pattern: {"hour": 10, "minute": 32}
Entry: {"hour": 11, "minute": 6}
